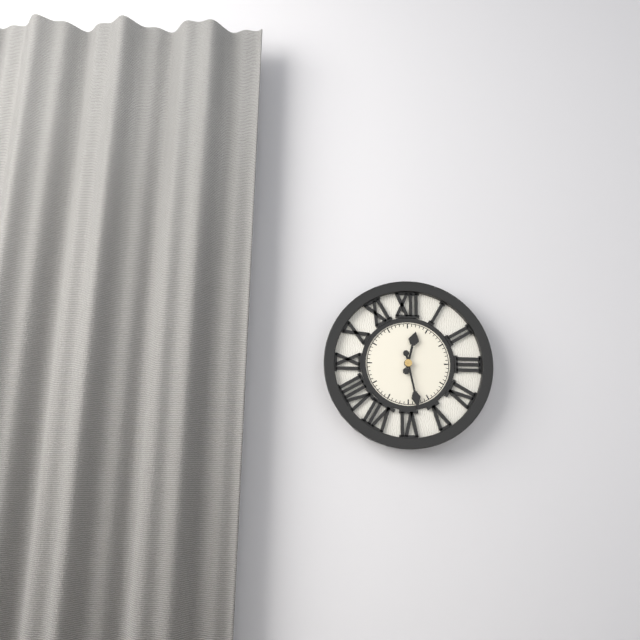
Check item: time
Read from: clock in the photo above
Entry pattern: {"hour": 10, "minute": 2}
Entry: {"hour": 12, "minute": 28}
